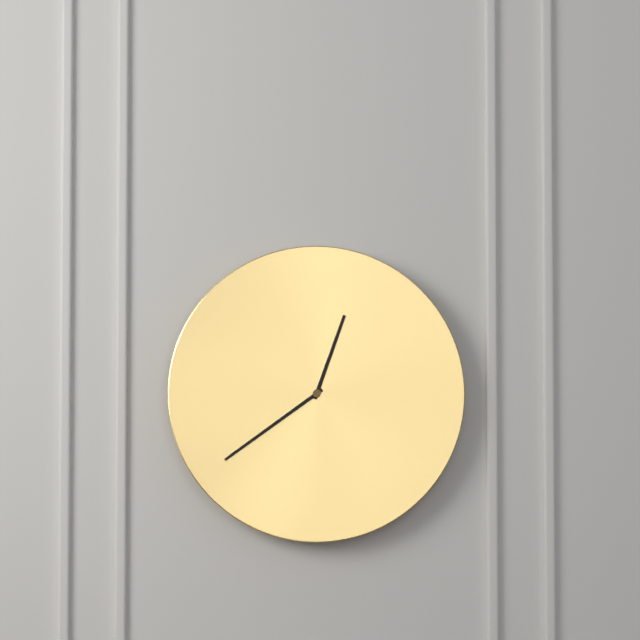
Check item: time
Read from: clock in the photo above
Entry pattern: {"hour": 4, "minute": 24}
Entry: {"hour": 12, "minute": 39}
